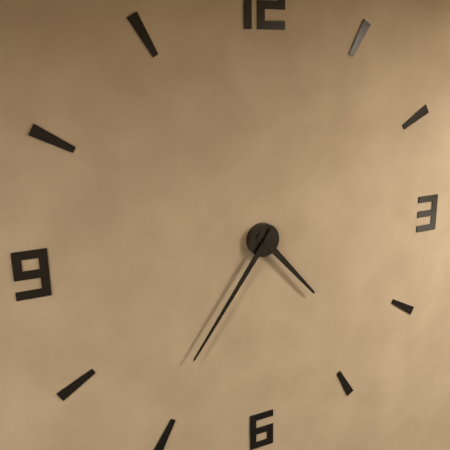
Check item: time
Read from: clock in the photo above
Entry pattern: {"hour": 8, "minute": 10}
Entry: {"hour": 4, "minute": 36}
